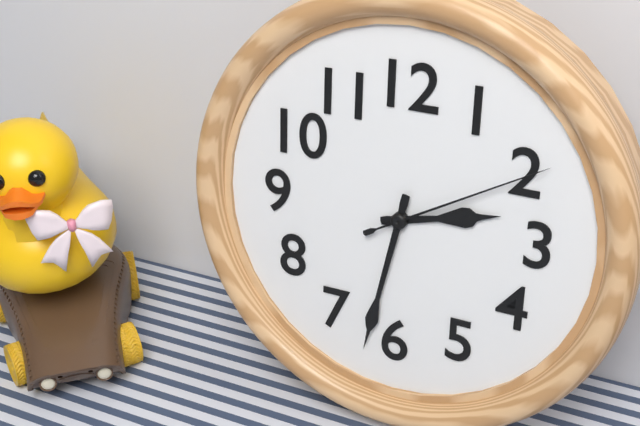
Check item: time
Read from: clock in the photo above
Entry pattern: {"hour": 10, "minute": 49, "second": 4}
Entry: {"hour": 2, "minute": 32, "second": 10}
